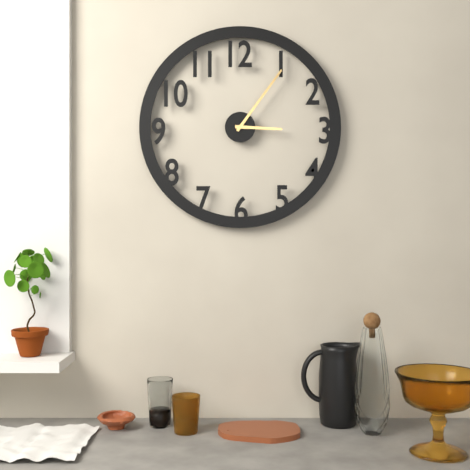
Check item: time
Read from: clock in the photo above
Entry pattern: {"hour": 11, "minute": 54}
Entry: {"hour": 3, "minute": 6}
